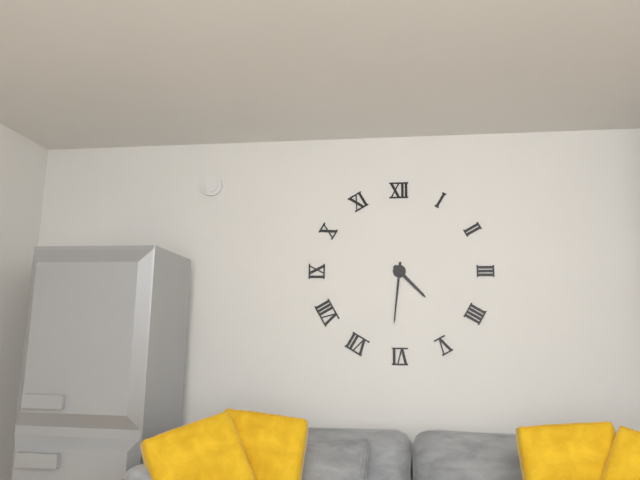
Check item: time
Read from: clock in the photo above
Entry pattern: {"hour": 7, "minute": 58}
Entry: {"hour": 4, "minute": 31}
